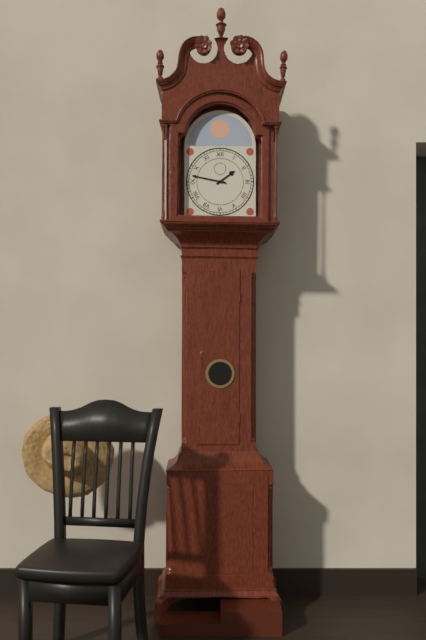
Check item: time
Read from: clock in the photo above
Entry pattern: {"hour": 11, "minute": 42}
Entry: {"hour": 1, "minute": 47}
